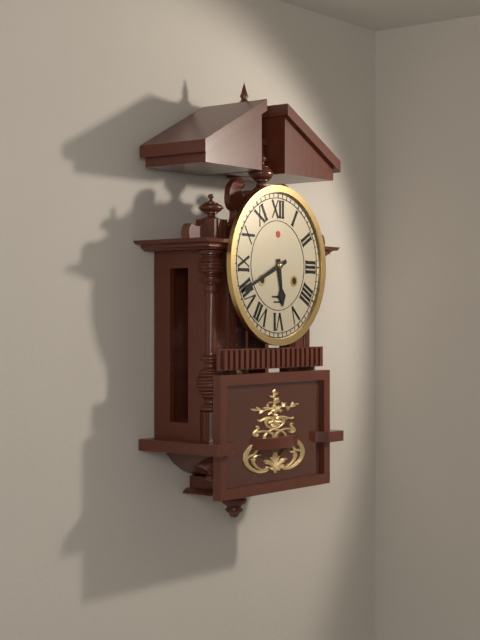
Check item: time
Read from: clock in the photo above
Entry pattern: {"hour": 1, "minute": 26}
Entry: {"hour": 5, "minute": 41}
